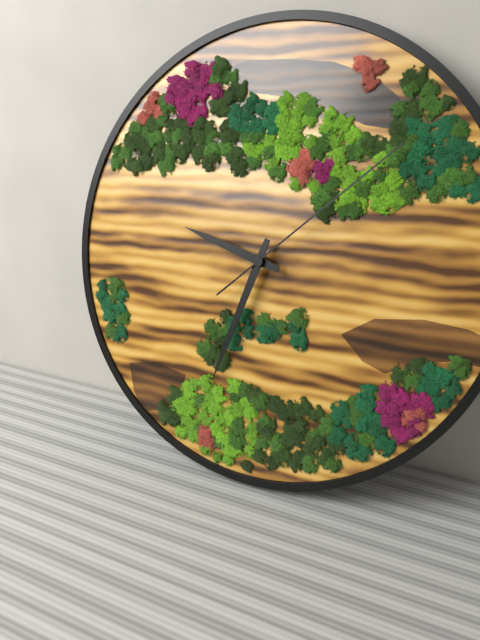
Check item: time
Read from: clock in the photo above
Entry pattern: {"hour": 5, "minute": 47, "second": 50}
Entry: {"hour": 9, "minute": 33, "second": 8}
